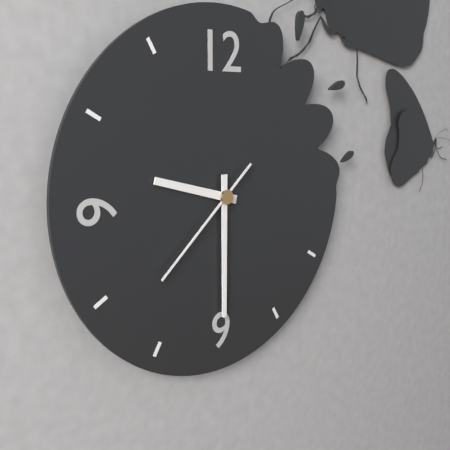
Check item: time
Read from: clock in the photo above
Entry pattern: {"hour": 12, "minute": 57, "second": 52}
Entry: {"hour": 9, "minute": 30, "second": 38}
